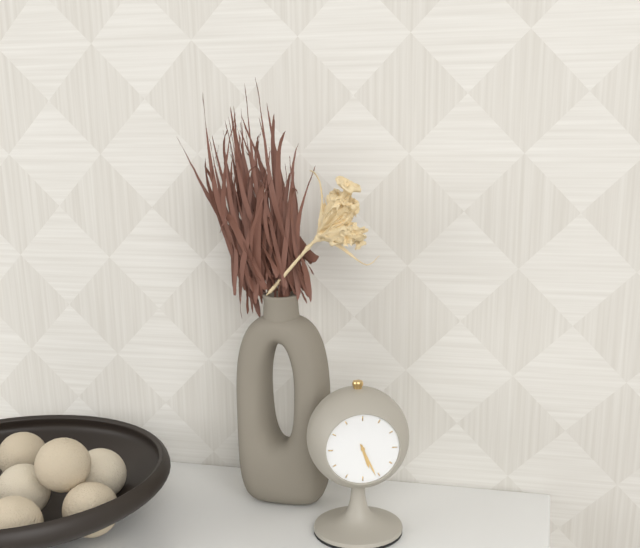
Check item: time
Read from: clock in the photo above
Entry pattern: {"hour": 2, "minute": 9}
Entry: {"hour": 5, "minute": 26}
